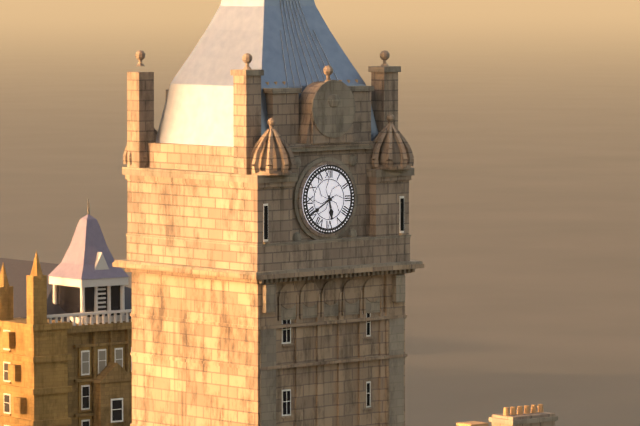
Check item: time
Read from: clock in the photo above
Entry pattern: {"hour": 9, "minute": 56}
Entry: {"hour": 5, "minute": 40}
